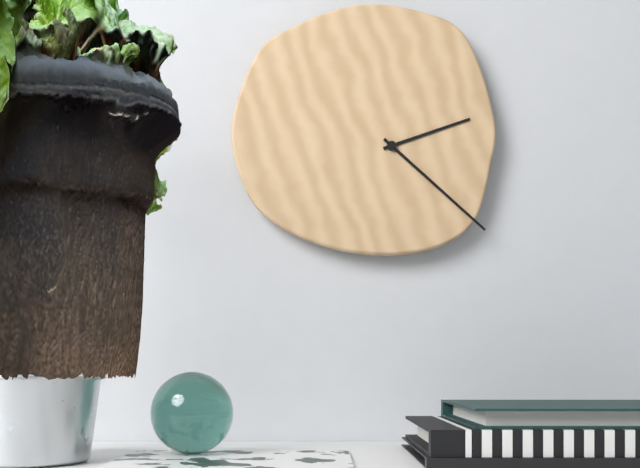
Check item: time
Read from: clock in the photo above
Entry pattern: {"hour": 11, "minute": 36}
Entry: {"hour": 2, "minute": 22}
